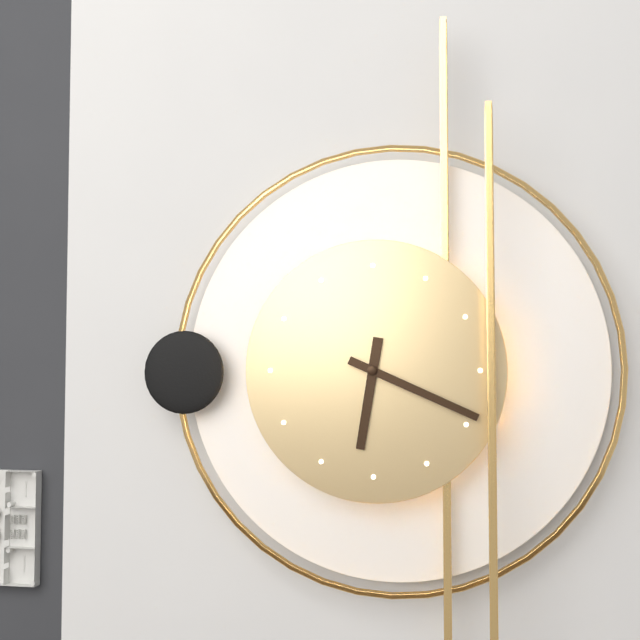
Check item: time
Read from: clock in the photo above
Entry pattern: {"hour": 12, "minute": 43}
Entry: {"hour": 6, "minute": 19}
